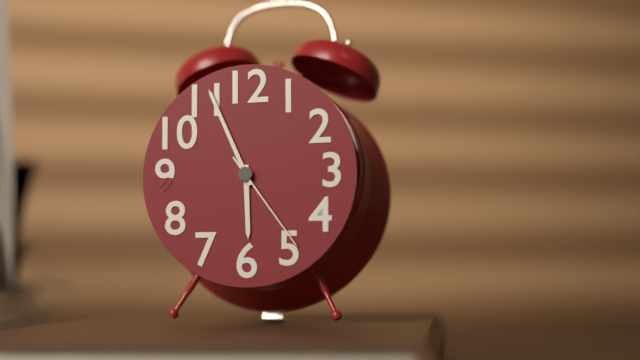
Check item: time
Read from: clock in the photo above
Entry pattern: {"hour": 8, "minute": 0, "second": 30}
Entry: {"hour": 5, "minute": 56, "second": 24}
